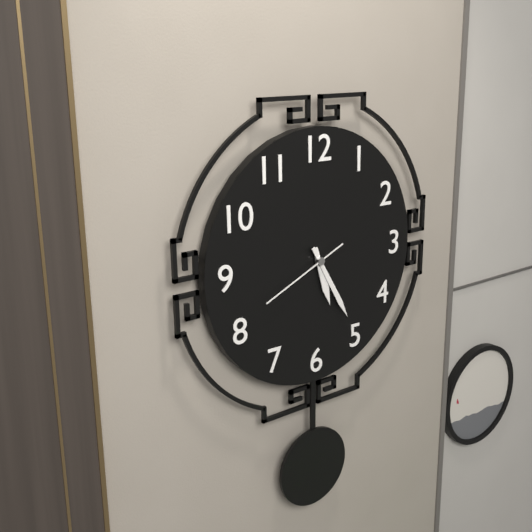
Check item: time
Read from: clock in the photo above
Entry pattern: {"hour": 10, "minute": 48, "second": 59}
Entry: {"hour": 5, "minute": 25, "second": 41}
